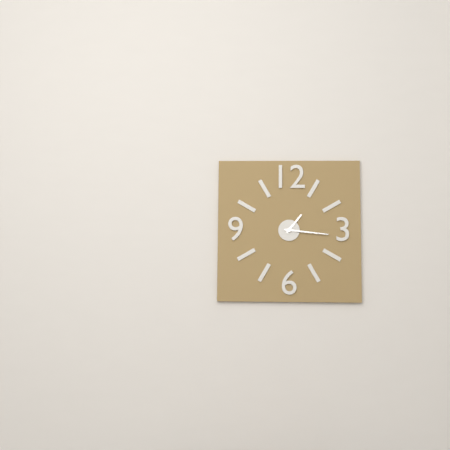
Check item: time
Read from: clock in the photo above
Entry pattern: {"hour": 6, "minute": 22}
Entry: {"hour": 1, "minute": 16}
